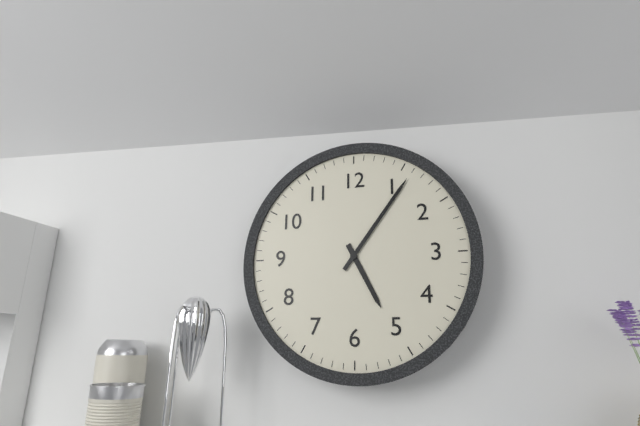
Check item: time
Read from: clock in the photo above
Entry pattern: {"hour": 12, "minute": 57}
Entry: {"hour": 5, "minute": 6}
